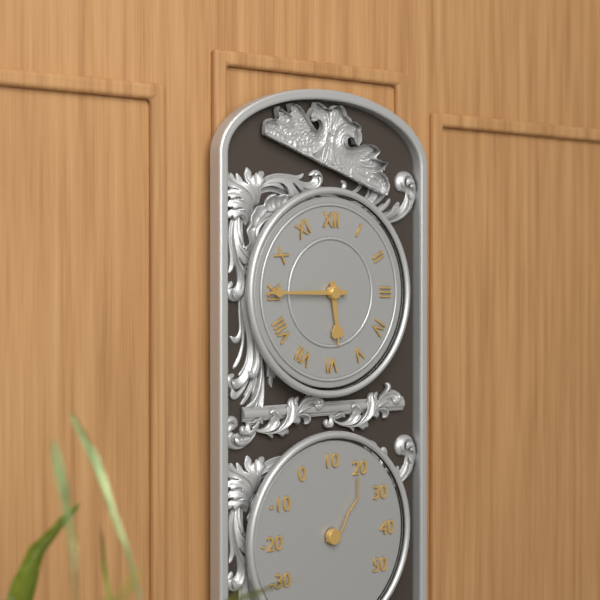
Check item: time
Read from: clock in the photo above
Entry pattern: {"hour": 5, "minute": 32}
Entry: {"hour": 5, "minute": 45}
